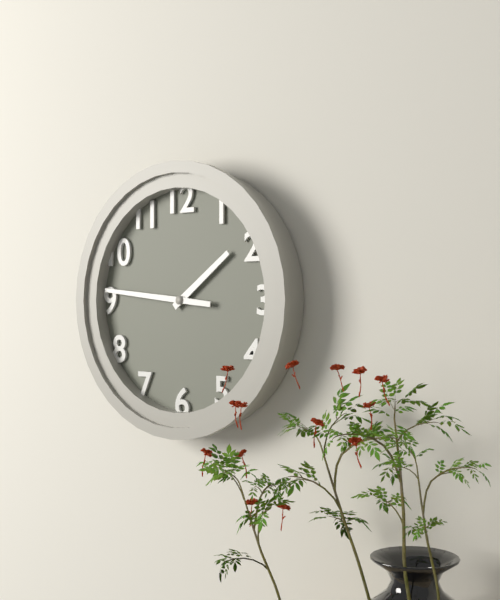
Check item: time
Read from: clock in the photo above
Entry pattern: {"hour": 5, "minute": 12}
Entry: {"hour": 1, "minute": 46}
